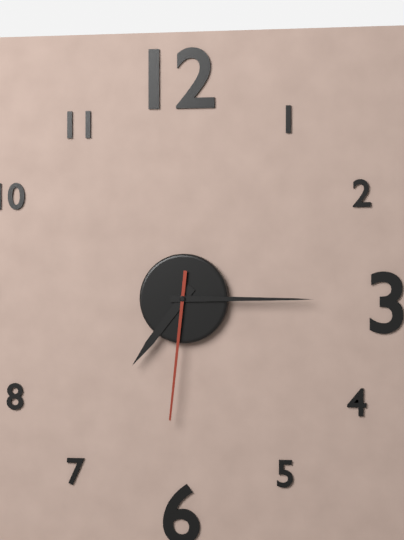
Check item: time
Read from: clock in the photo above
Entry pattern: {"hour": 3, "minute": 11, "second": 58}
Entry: {"hour": 7, "minute": 15, "second": 31}
